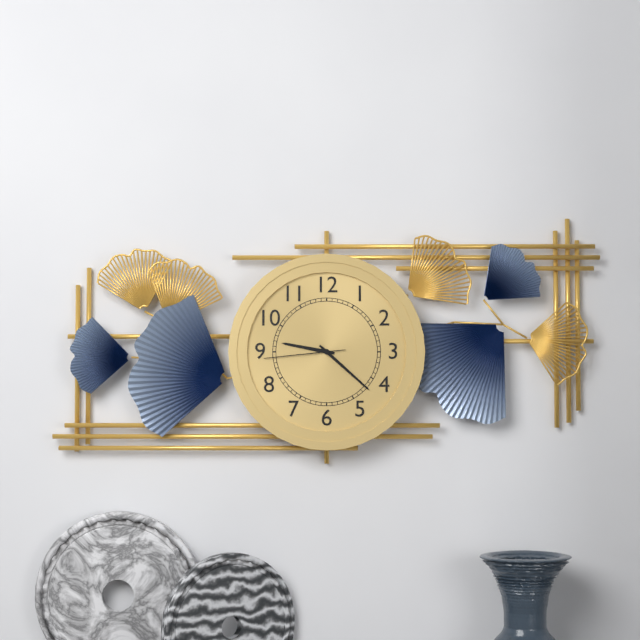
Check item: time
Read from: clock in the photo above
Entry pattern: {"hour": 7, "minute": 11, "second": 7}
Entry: {"hour": 9, "minute": 22, "second": 44}
